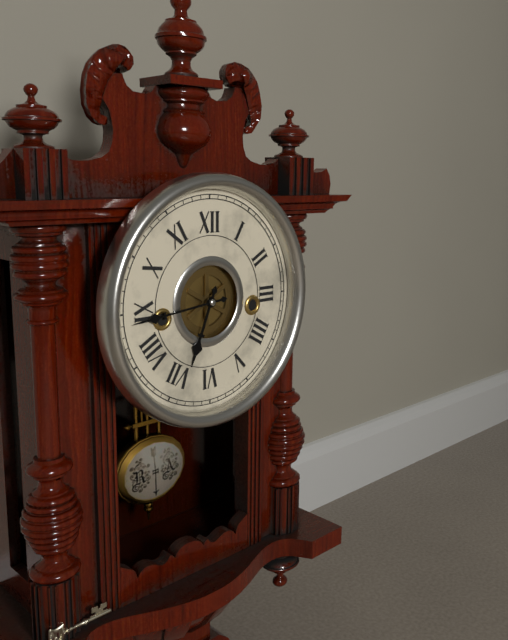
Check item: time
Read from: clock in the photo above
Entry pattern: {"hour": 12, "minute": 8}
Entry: {"hour": 6, "minute": 44}
